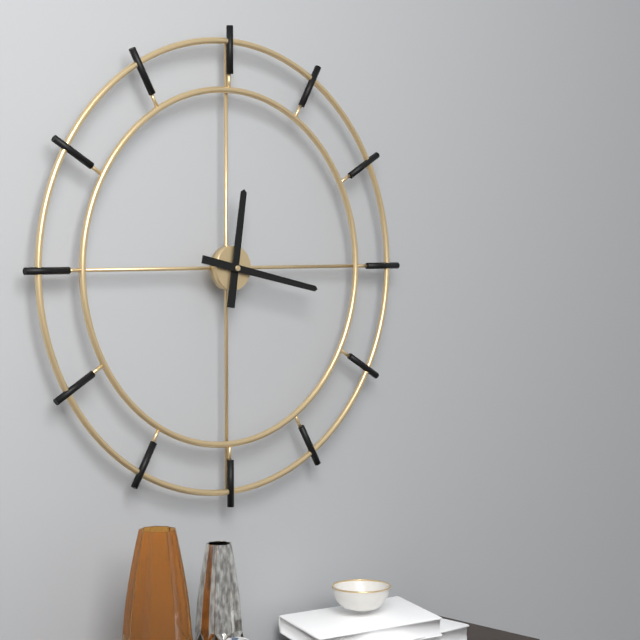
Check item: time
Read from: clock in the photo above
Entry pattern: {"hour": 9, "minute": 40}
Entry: {"hour": 12, "minute": 17}
